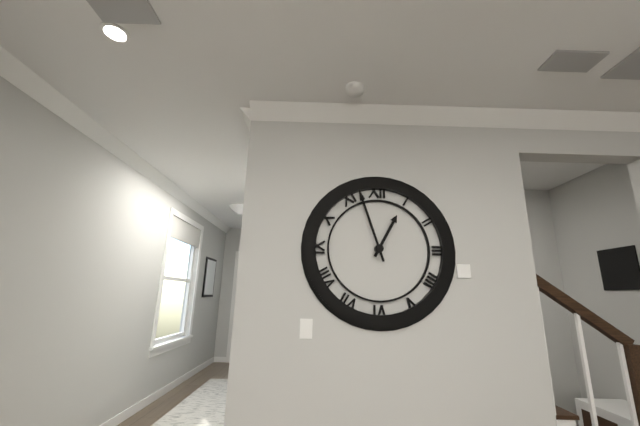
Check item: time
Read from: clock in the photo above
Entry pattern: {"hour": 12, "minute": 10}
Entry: {"hour": 12, "minute": 57}
